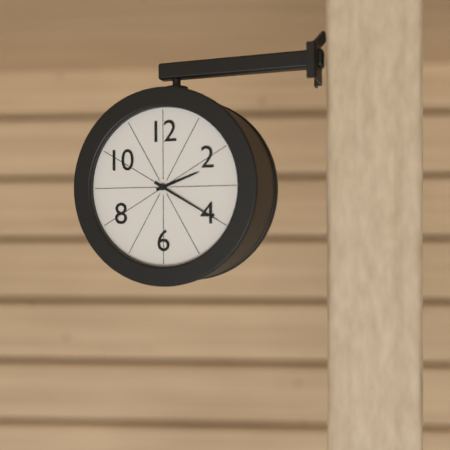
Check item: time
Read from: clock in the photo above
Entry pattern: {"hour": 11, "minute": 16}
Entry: {"hour": 2, "minute": 20}
